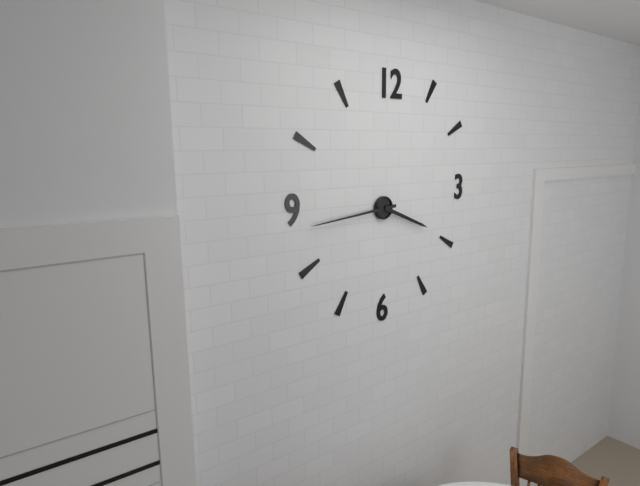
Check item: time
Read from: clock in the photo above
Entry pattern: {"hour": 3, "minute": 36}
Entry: {"hour": 3, "minute": 44}
